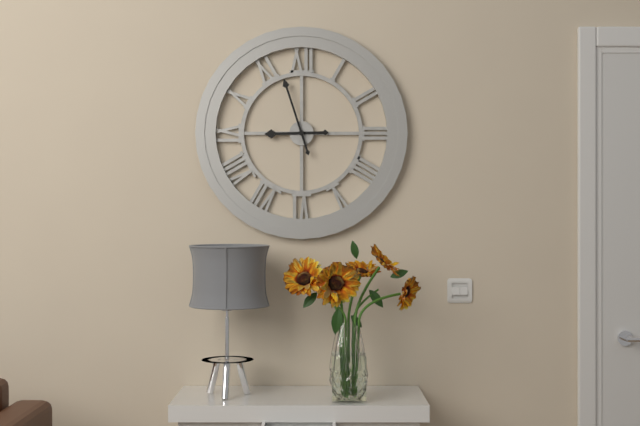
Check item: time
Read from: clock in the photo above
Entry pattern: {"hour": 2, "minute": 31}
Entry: {"hour": 8, "minute": 57}
